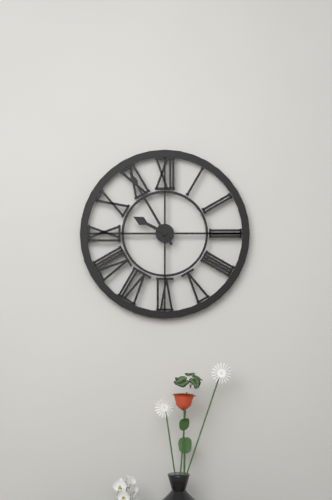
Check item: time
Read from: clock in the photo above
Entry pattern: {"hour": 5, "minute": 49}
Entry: {"hour": 9, "minute": 55}
